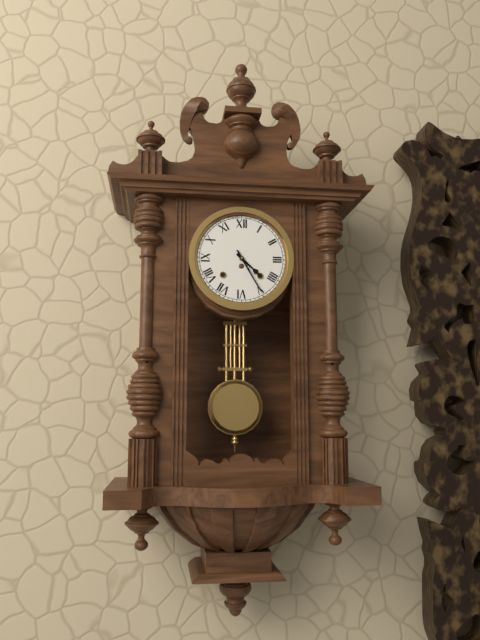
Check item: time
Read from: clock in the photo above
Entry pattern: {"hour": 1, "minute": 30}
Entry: {"hour": 4, "minute": 25}
